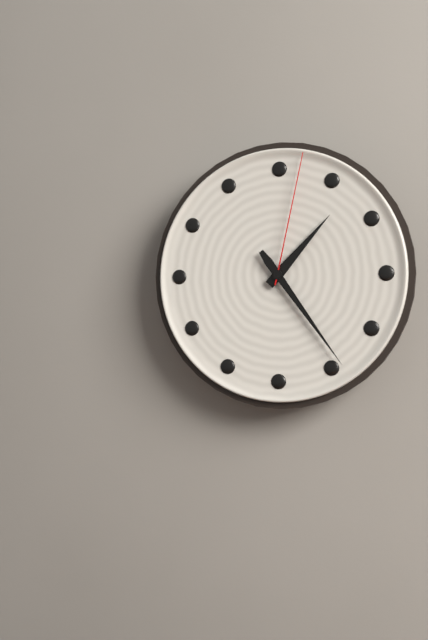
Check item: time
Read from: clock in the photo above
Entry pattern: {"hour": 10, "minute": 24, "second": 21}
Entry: {"hour": 1, "minute": 24, "second": 2}
